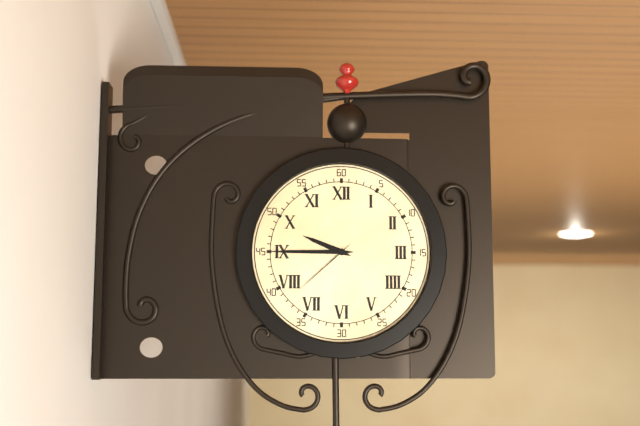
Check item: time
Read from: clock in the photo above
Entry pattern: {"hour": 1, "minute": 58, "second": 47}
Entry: {"hour": 9, "minute": 45, "second": 38}
